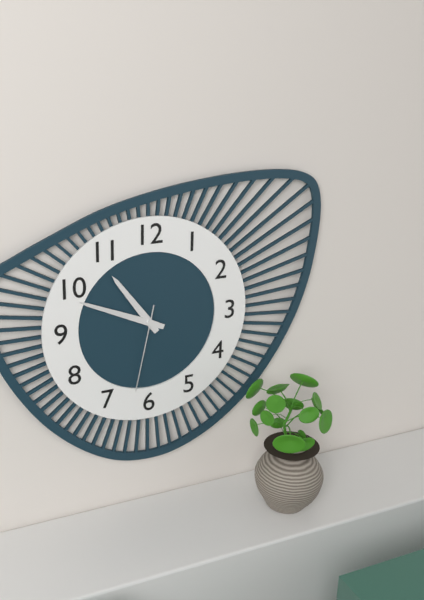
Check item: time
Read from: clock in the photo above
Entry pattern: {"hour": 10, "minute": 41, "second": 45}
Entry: {"hour": 10, "minute": 49, "second": 32}
